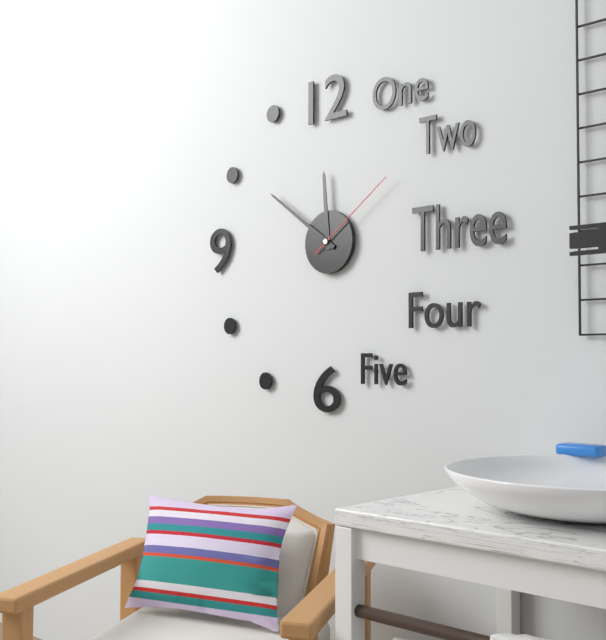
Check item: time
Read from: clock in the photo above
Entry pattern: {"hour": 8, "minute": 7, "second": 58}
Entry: {"hour": 11, "minute": 51, "second": 9}
